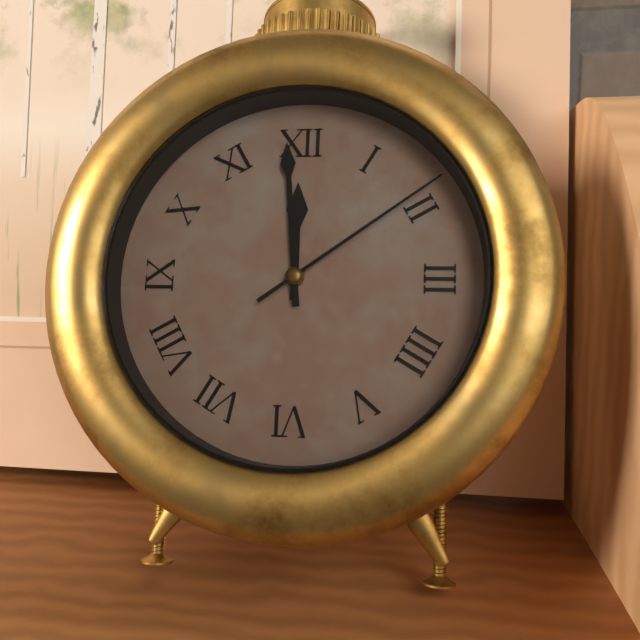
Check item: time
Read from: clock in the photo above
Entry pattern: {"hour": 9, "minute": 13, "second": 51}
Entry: {"hour": 11, "minute": 59, "second": 9}
